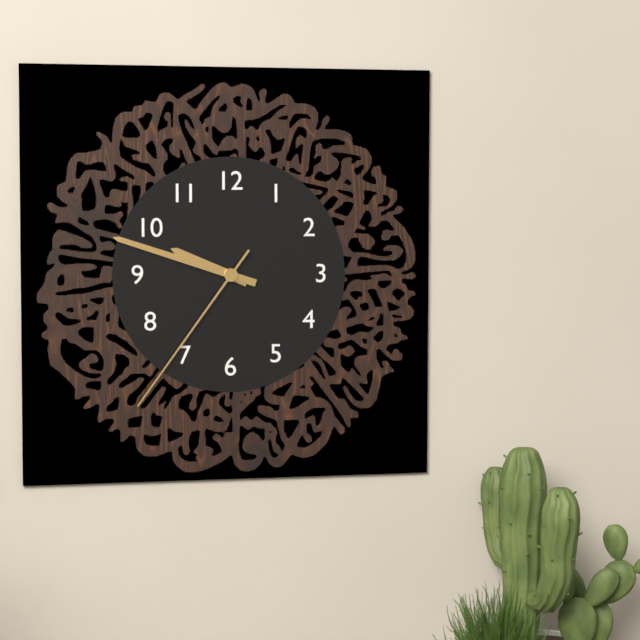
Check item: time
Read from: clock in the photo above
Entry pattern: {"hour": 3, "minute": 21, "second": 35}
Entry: {"hour": 9, "minute": 48, "second": 36}
